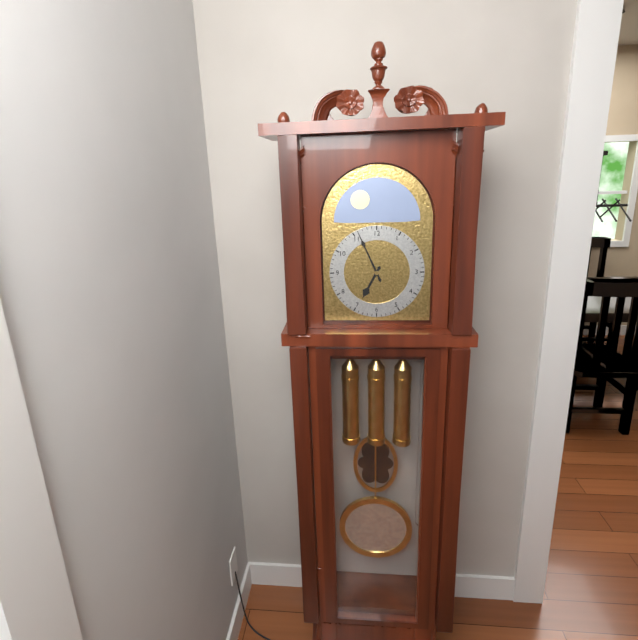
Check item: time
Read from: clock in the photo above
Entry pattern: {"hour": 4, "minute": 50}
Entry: {"hour": 6, "minute": 56}
